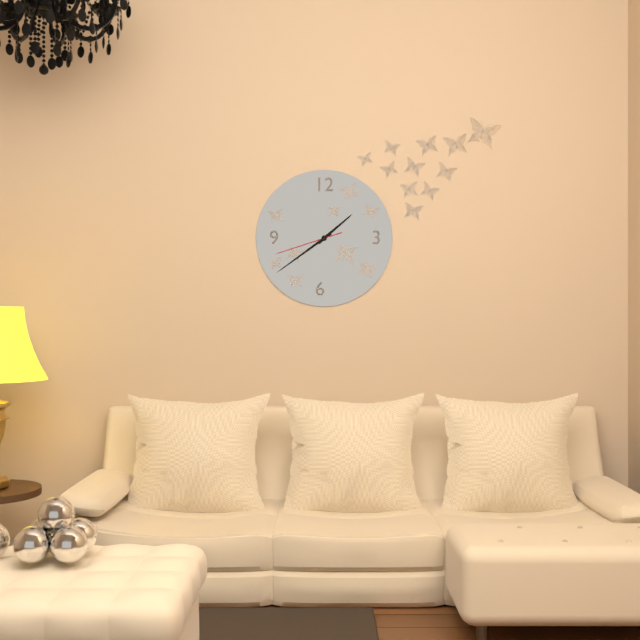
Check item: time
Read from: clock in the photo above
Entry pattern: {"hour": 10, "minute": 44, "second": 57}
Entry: {"hour": 1, "minute": 39, "second": 42}
